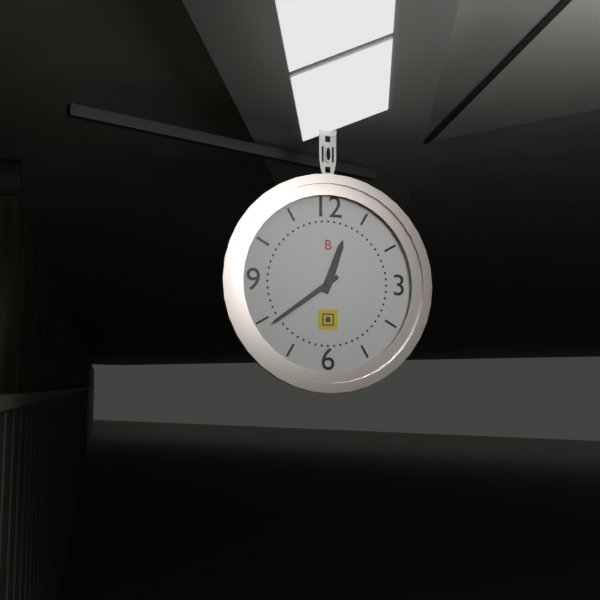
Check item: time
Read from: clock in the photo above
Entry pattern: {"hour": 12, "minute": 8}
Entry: {"hour": 12, "minute": 39}
